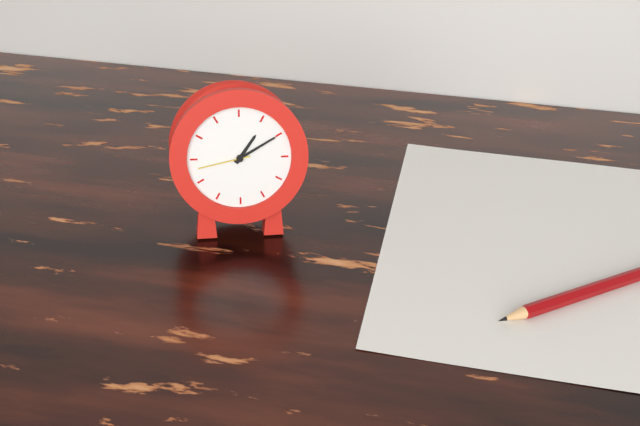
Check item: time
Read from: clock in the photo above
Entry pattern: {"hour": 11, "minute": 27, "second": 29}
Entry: {"hour": 1, "minute": 10, "second": 43}
